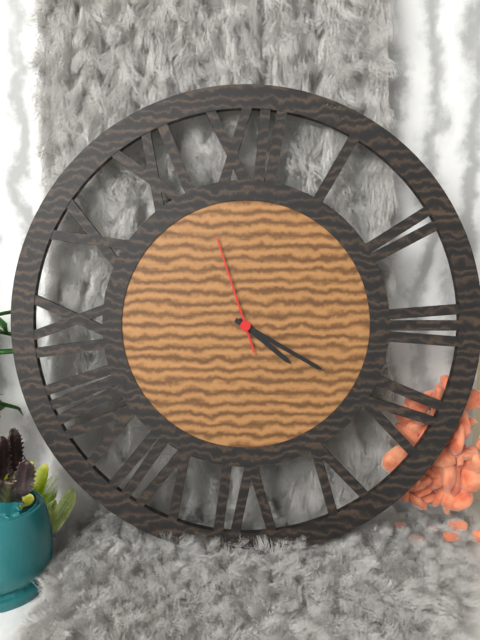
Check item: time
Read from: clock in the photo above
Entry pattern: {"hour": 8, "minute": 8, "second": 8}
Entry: {"hour": 4, "minute": 20, "second": 57}
